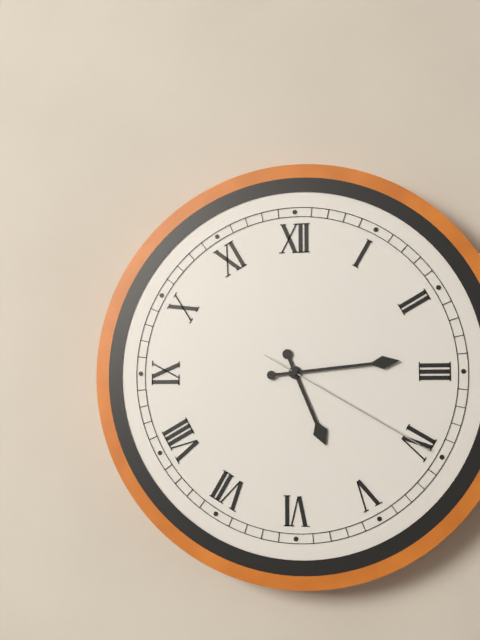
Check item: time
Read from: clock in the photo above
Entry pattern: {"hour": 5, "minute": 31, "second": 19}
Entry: {"hour": 5, "minute": 14, "second": 20}
